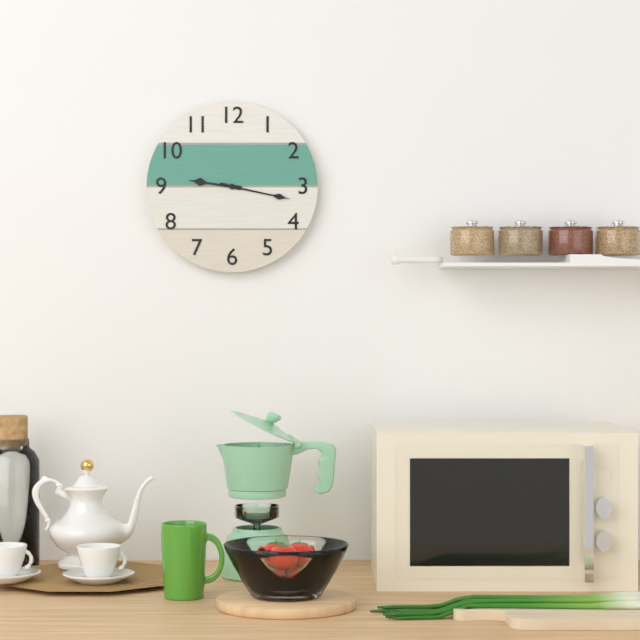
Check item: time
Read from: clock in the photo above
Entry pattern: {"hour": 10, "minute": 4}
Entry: {"hour": 9, "minute": 17}
